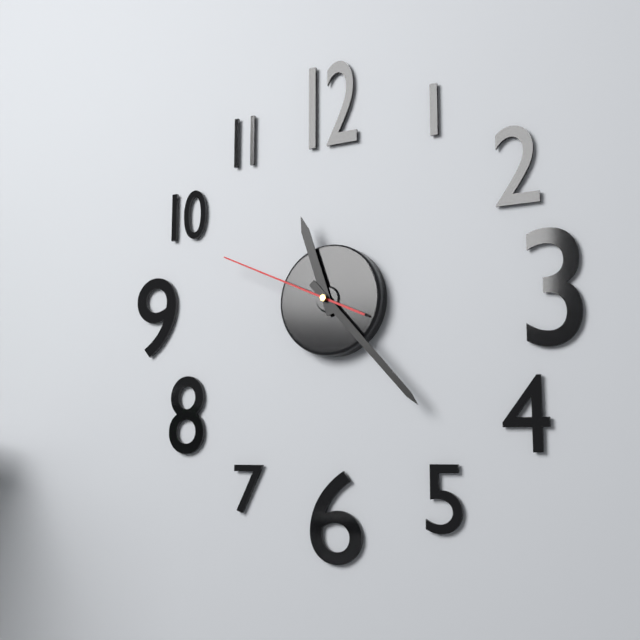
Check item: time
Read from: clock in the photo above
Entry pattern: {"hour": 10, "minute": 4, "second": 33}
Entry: {"hour": 11, "minute": 23, "second": 49}
